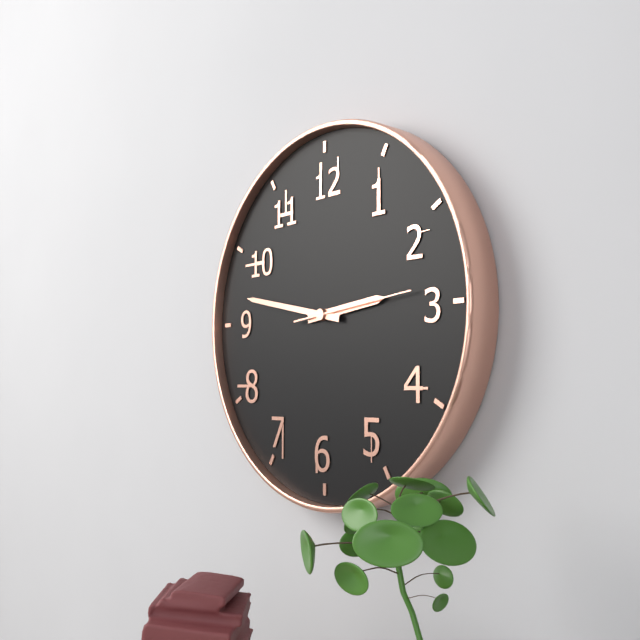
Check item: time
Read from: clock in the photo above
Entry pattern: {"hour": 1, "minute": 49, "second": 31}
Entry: {"hour": 2, "minute": 47, "second": 14}
